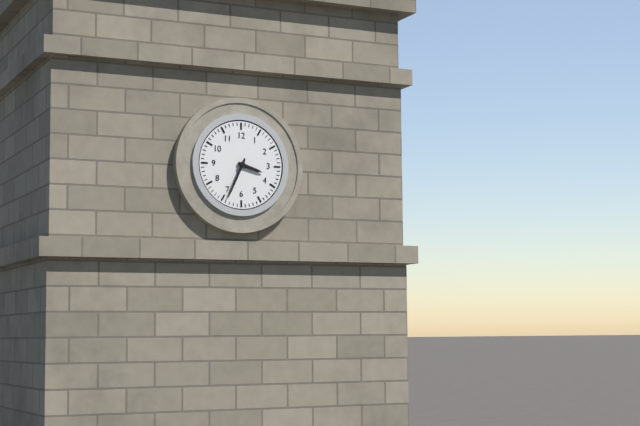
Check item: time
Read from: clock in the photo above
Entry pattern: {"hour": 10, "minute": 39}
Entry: {"hour": 3, "minute": 34}
